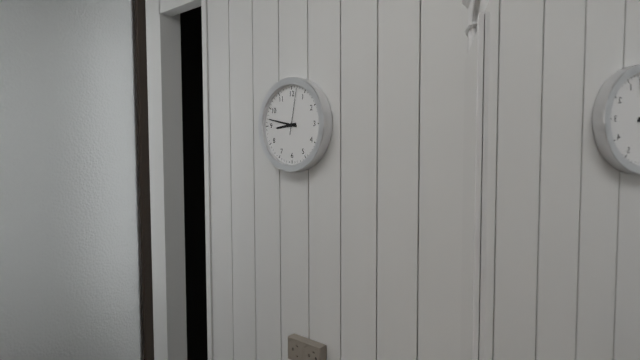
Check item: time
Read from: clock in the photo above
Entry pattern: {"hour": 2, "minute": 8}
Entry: {"hour": 8, "minute": 47}
